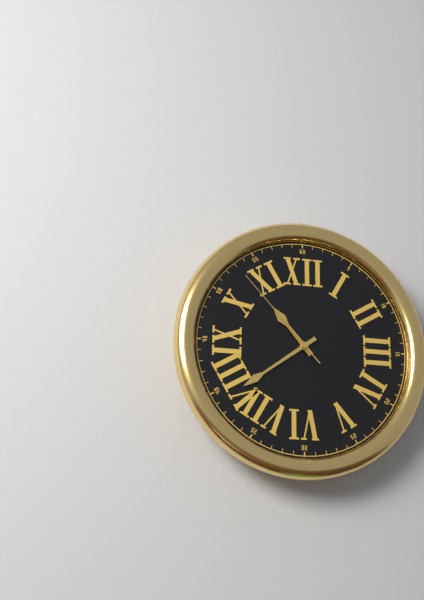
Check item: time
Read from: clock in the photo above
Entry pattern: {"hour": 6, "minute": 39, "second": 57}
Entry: {"hour": 10, "minute": 39, "second": 53}
